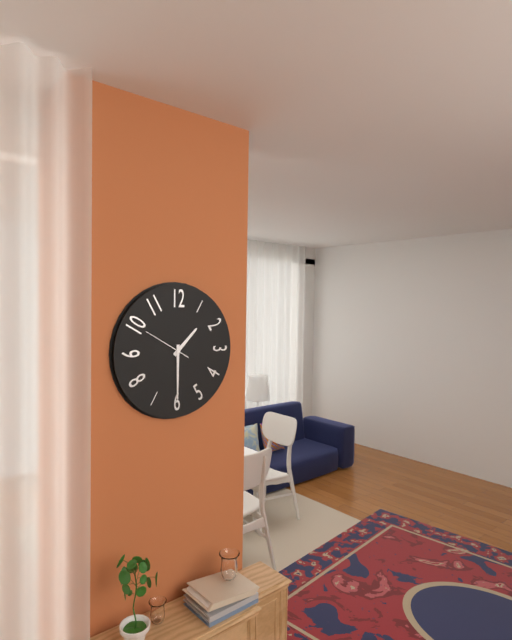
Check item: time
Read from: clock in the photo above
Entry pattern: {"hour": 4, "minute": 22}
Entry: {"hour": 1, "minute": 30}
